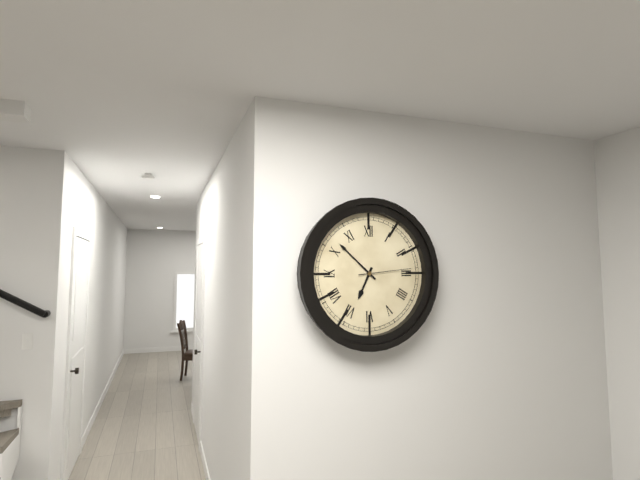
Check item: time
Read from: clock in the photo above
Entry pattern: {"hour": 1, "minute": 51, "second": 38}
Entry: {"hour": 6, "minute": 52, "second": 14}
